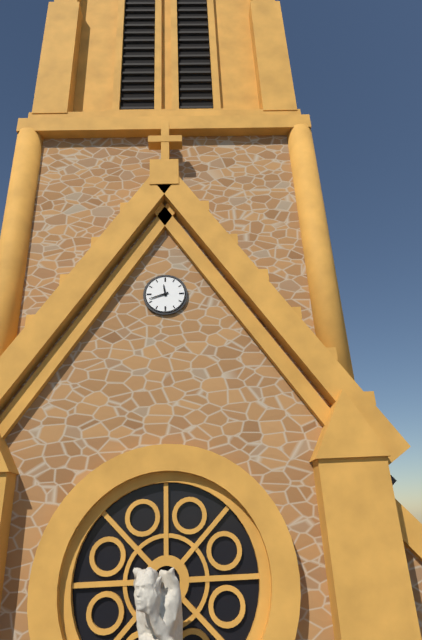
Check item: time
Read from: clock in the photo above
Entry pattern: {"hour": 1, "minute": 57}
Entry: {"hour": 11, "minute": 42}
